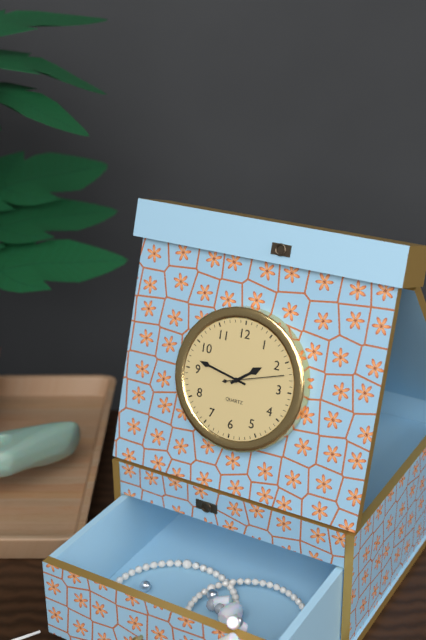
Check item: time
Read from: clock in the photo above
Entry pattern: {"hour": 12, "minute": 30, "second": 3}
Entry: {"hour": 1, "minute": 47, "second": 12}
